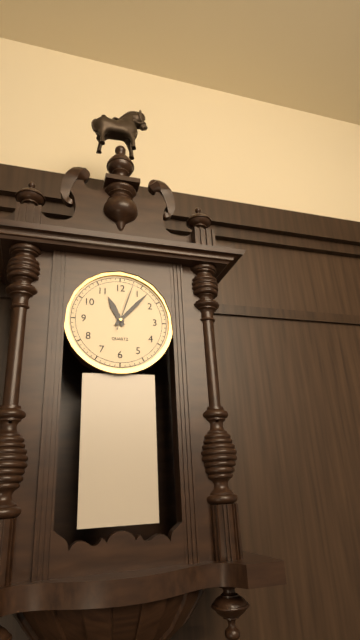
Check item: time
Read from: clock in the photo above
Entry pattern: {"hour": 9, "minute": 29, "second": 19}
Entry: {"hour": 11, "minute": 7, "second": 3}
